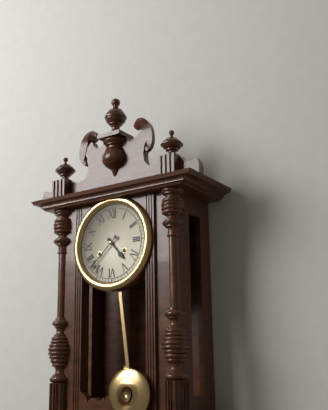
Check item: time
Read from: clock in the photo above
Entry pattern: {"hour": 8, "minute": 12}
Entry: {"hour": 4, "minute": 38}
